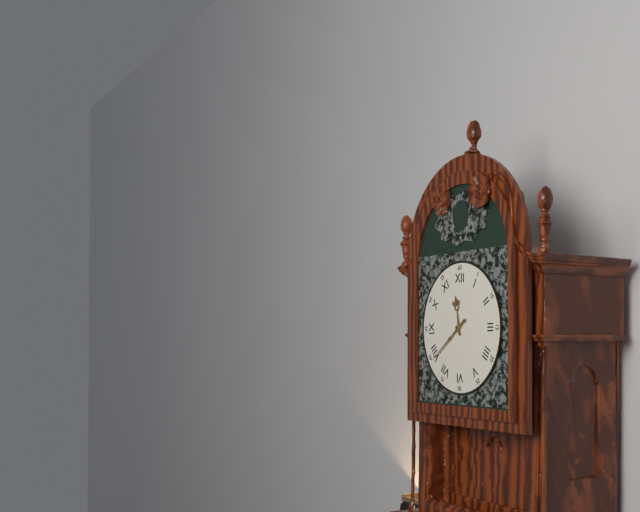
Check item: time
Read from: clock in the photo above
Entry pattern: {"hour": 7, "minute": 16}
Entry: {"hour": 11, "minute": 39}
